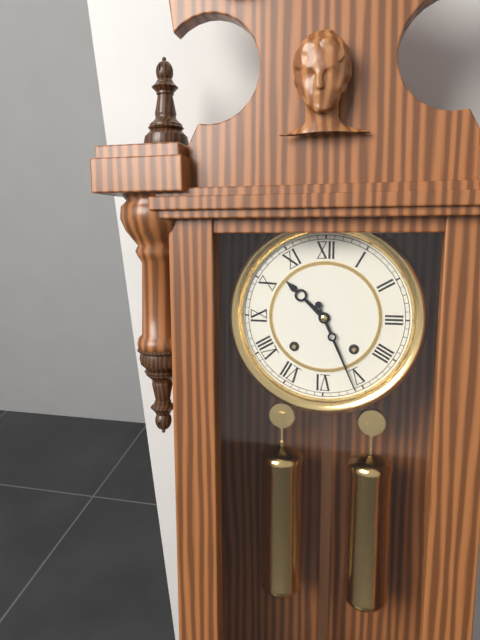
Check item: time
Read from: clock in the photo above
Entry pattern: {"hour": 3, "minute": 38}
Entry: {"hour": 10, "minute": 26}
